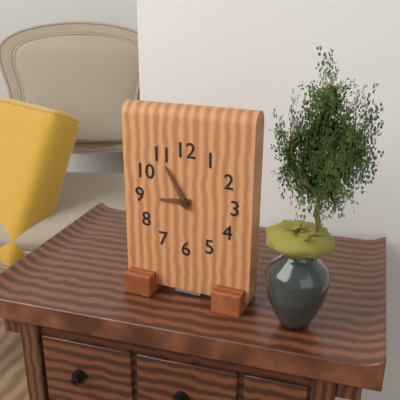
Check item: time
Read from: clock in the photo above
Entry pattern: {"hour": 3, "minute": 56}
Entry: {"hour": 8, "minute": 55}
